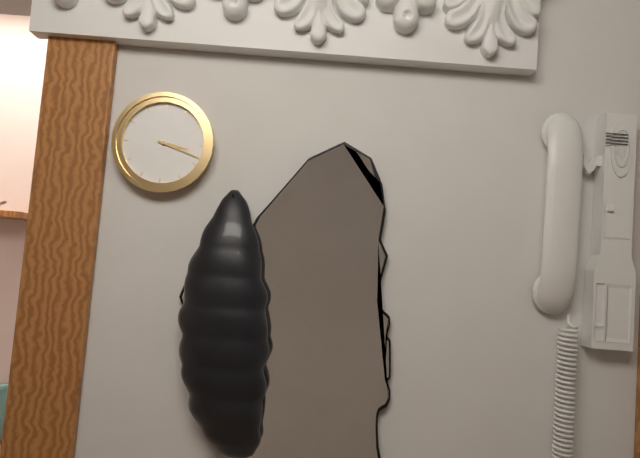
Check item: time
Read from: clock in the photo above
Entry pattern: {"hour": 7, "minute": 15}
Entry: {"hour": 3, "minute": 18}
